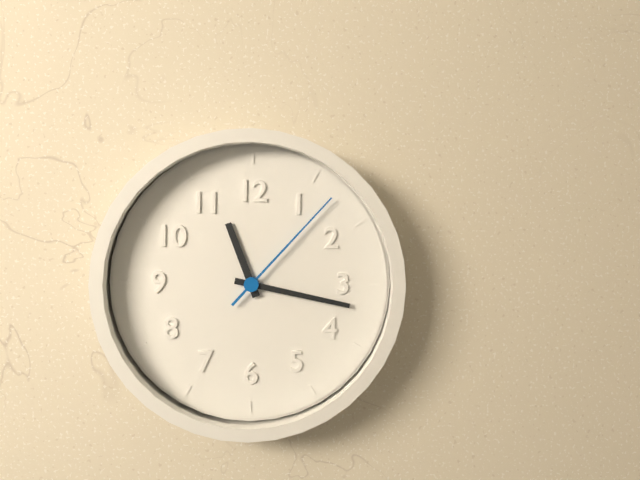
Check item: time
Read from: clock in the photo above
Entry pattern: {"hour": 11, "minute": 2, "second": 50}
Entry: {"hour": 11, "minute": 17, "second": 7}
